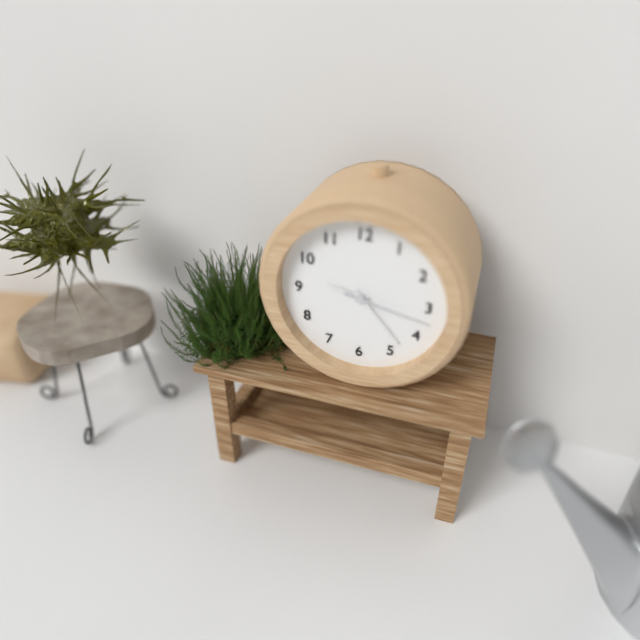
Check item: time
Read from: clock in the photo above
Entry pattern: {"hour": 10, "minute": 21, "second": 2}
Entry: {"hour": 9, "minute": 23, "second": 17}
